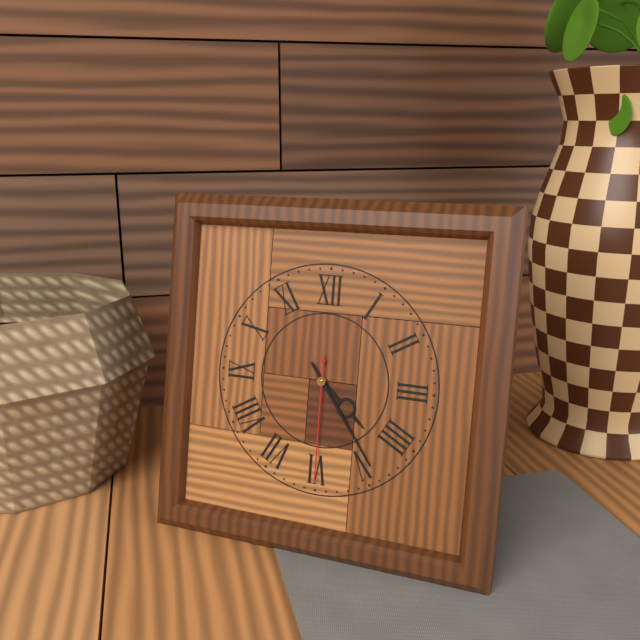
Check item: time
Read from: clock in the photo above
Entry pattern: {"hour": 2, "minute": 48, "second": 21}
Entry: {"hour": 4, "minute": 24, "second": 30}
